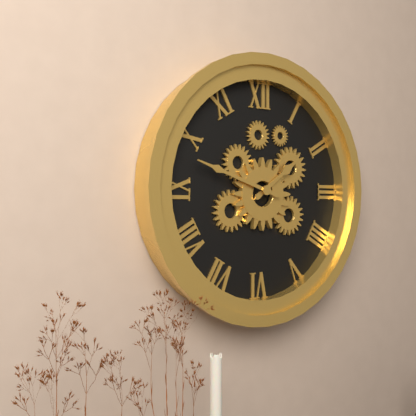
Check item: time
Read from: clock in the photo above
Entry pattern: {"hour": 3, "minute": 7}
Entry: {"hour": 1, "minute": 48}
